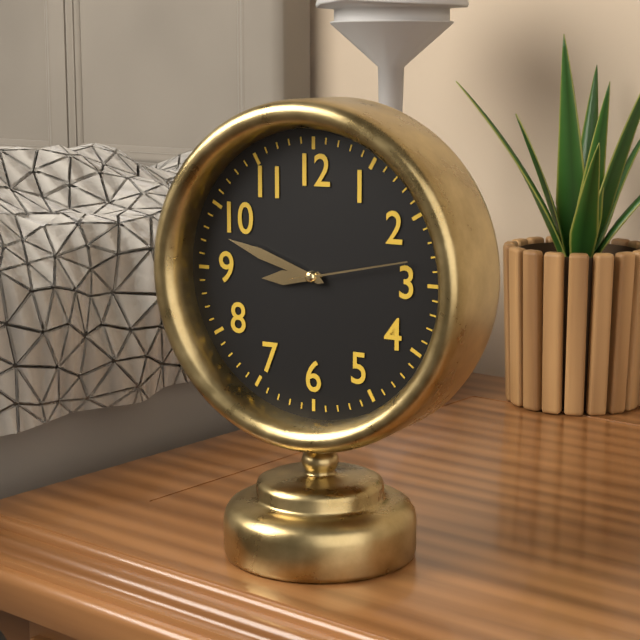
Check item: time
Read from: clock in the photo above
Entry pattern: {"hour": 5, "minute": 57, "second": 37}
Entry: {"hour": 8, "minute": 48, "second": 13}
